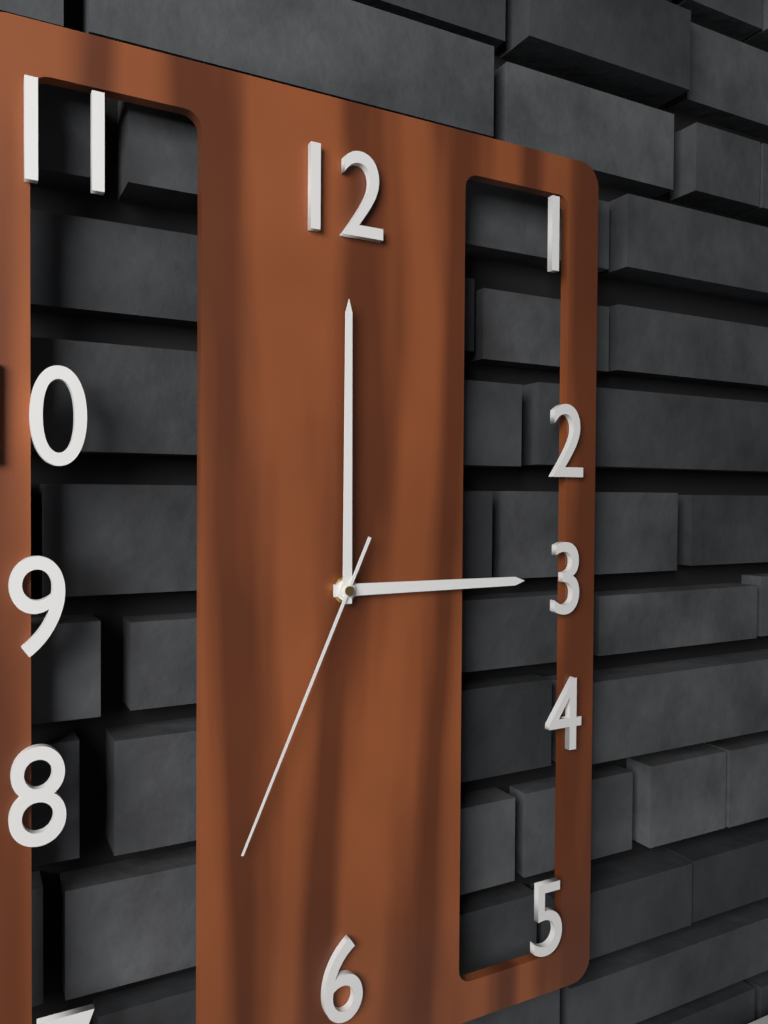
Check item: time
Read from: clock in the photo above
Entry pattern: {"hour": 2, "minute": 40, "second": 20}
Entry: {"hour": 3, "minute": 0, "second": 34}
